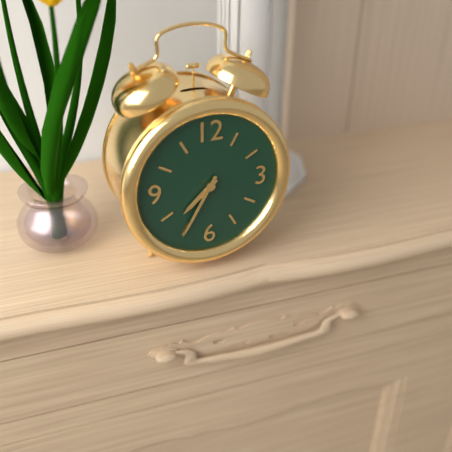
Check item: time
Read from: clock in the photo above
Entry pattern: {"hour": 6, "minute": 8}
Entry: {"hour": 7, "minute": 35}
